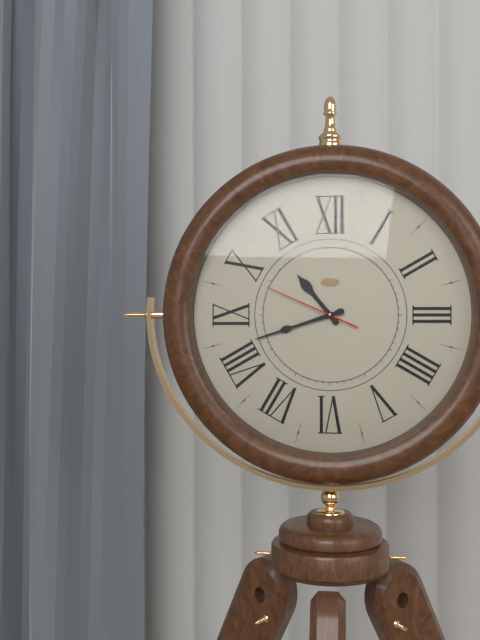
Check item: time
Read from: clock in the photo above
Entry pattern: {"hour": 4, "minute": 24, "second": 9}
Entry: {"hour": 10, "minute": 42, "second": 49}
